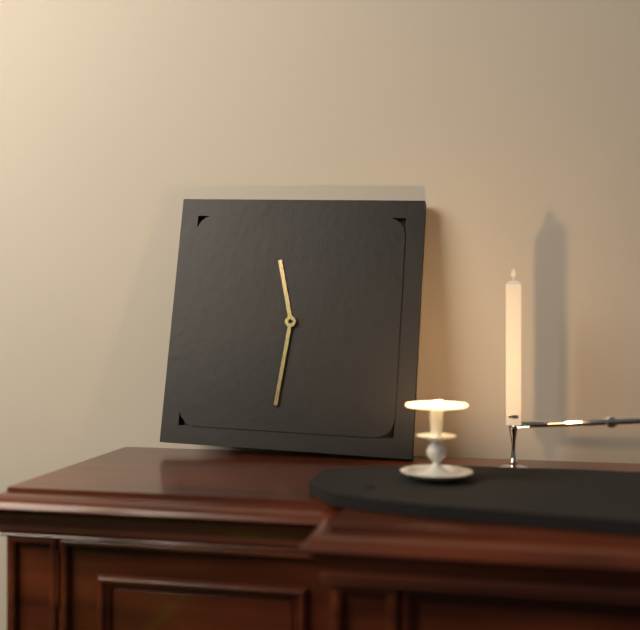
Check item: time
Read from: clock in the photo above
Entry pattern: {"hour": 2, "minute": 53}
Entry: {"hour": 11, "minute": 31}
